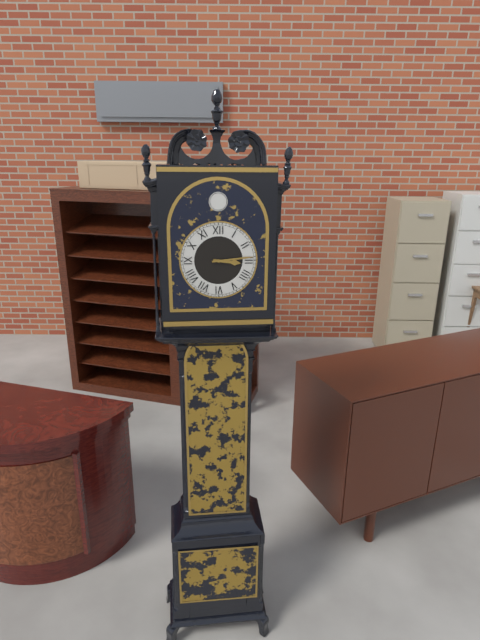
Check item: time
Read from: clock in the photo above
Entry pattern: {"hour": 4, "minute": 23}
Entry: {"hour": 3, "minute": 14}
